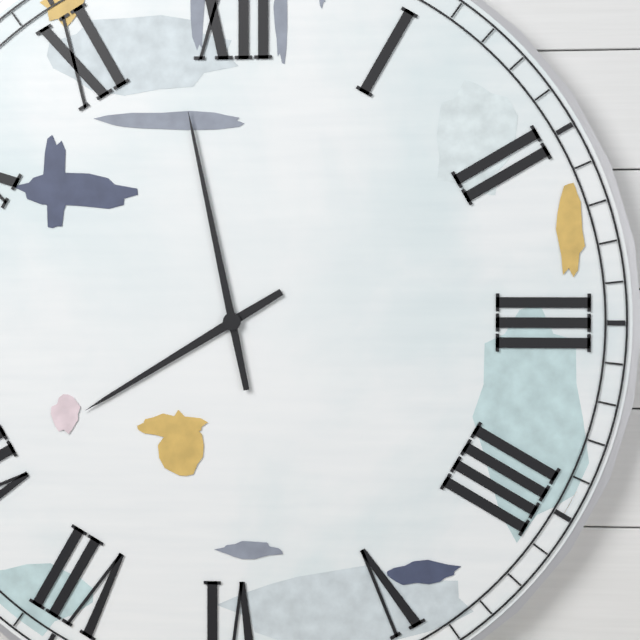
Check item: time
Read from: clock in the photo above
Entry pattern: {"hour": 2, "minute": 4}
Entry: {"hour": 7, "minute": 58}
